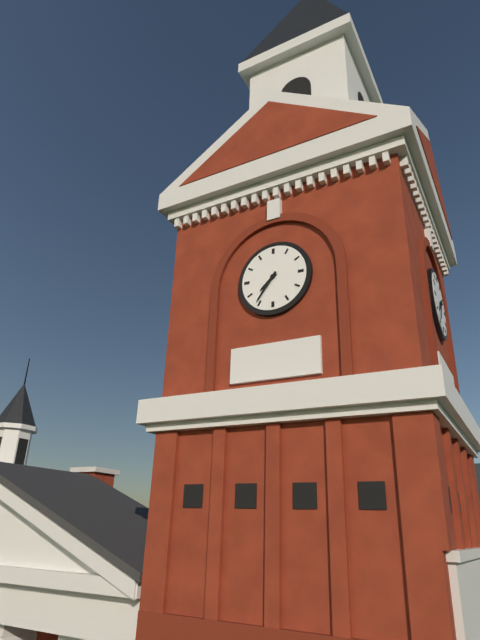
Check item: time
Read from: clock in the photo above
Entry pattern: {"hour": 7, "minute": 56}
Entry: {"hour": 7, "minute": 36}
